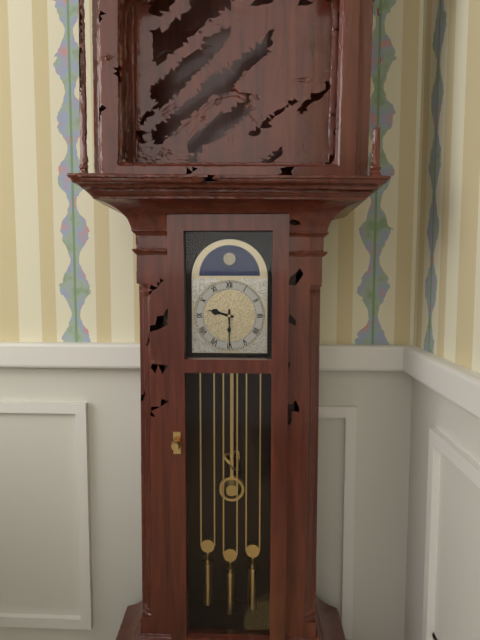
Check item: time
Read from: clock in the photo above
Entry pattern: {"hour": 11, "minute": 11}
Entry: {"hour": 9, "minute": 30}
